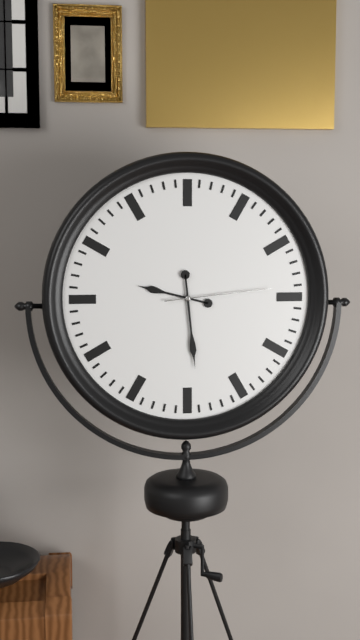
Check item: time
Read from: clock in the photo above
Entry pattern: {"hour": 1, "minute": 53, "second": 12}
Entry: {"hour": 9, "minute": 29, "second": 14}
